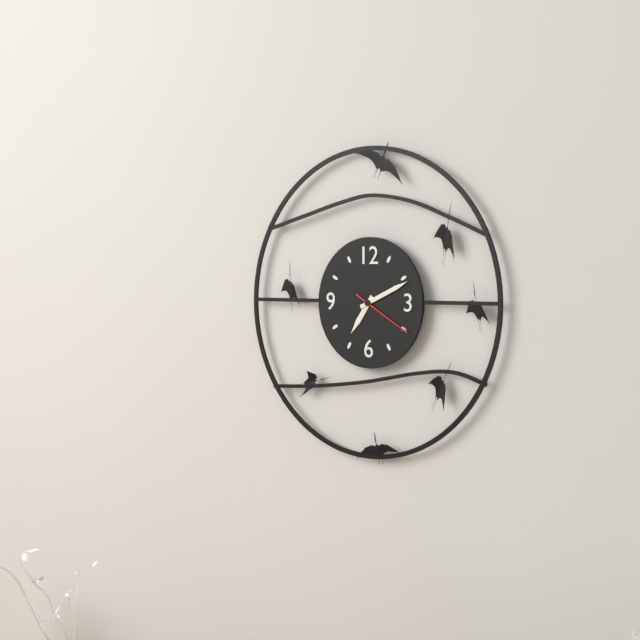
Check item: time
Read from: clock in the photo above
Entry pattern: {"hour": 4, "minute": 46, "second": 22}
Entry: {"hour": 7, "minute": 11, "second": 20}
